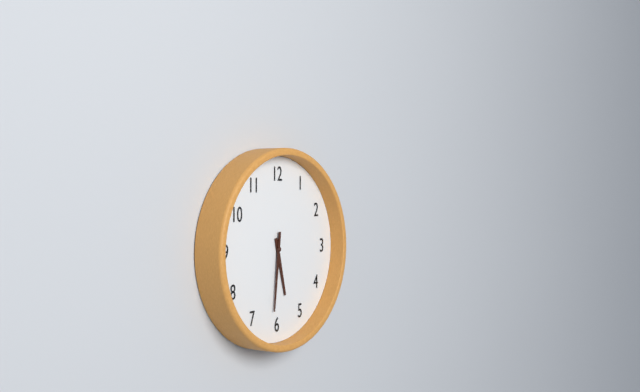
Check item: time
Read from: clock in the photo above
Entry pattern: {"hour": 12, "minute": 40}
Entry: {"hour": 5, "minute": 31}
